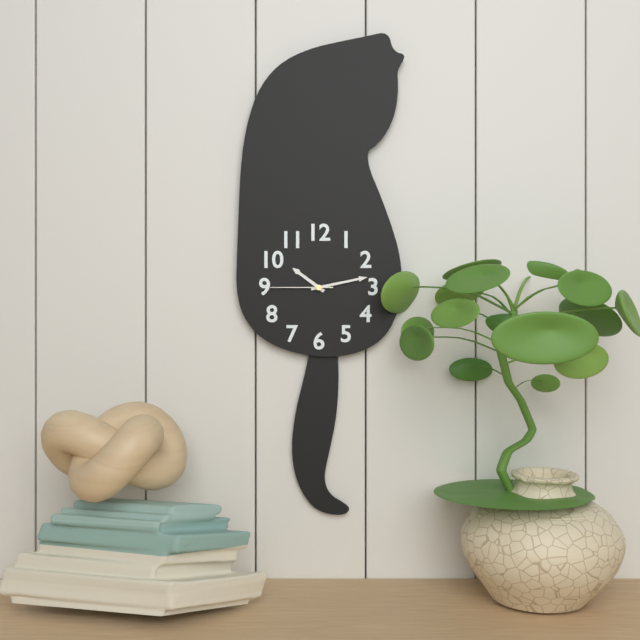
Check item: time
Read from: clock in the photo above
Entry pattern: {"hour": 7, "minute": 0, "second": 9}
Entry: {"hour": 10, "minute": 13, "second": 45}
